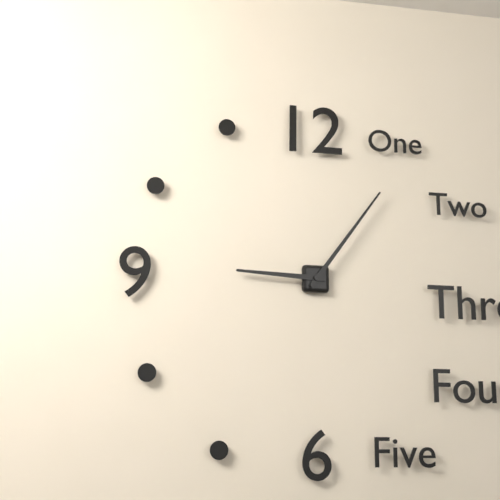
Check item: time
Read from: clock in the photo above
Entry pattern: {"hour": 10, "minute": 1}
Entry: {"hour": 9, "minute": 6}
